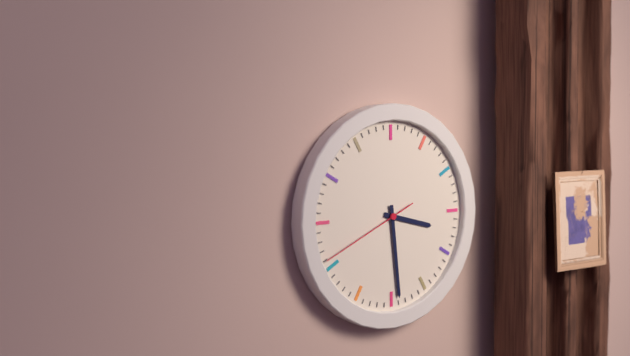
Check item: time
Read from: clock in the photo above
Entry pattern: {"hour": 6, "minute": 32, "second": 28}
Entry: {"hour": 3, "minute": 29, "second": 41}
